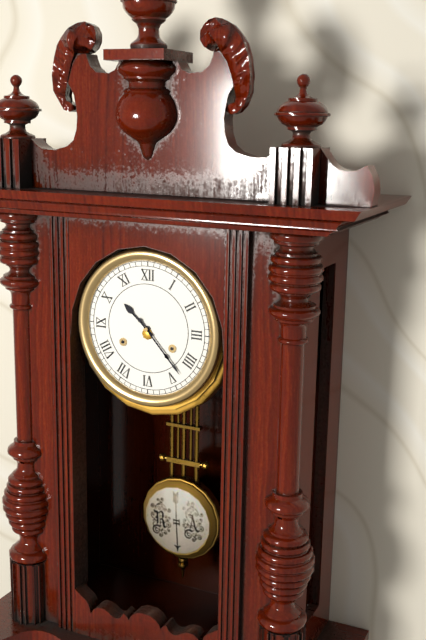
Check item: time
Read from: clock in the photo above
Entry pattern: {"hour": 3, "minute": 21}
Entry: {"hour": 10, "minute": 23}
